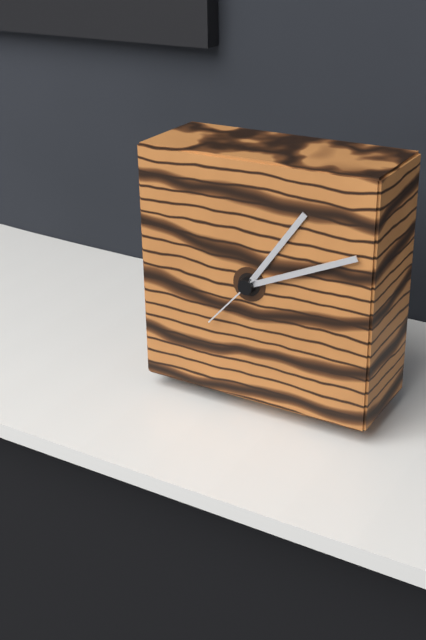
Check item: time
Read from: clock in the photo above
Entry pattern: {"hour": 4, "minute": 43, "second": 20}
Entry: {"hour": 1, "minute": 11, "second": 37}
